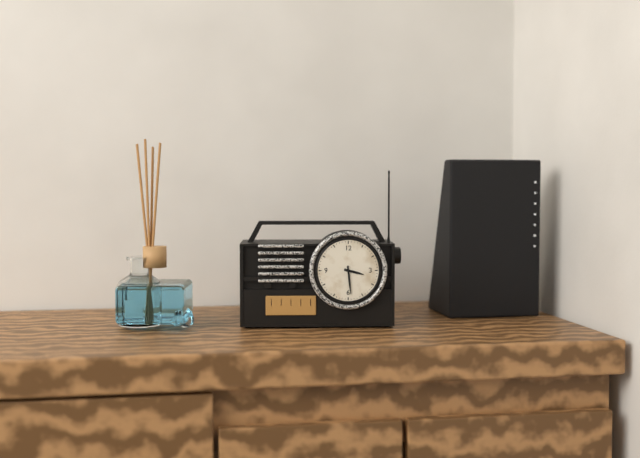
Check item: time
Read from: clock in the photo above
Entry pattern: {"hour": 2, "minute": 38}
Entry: {"hour": 3, "minute": 29}
